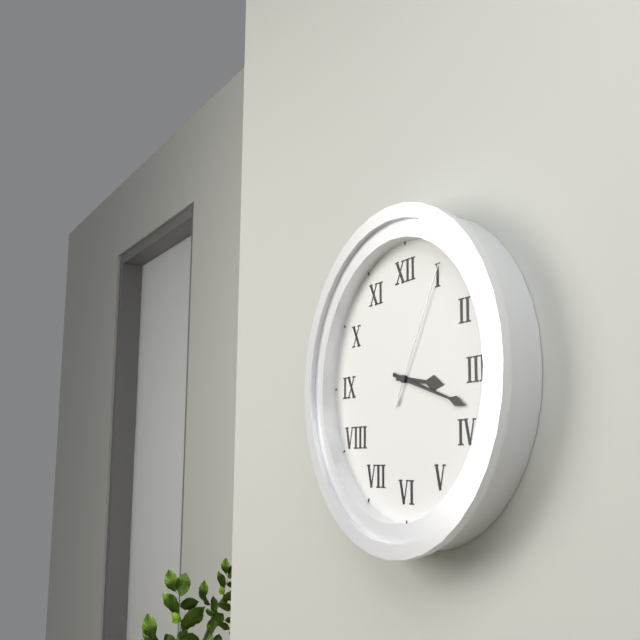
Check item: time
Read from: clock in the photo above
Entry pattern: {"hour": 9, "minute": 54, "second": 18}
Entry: {"hour": 3, "minute": 18, "second": 5}
